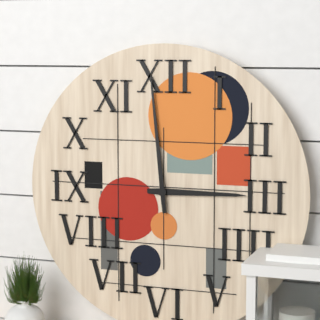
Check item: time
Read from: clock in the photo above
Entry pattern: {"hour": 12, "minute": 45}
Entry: {"hour": 2, "minute": 59}
